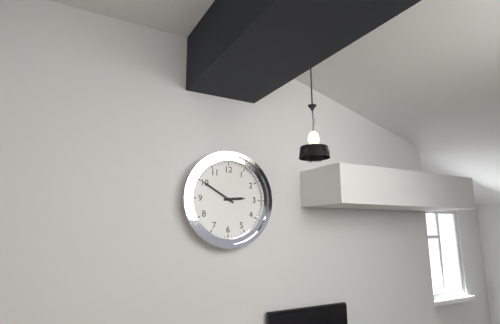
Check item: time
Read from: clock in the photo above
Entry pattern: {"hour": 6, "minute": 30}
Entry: {"hour": 2, "minute": 50}
